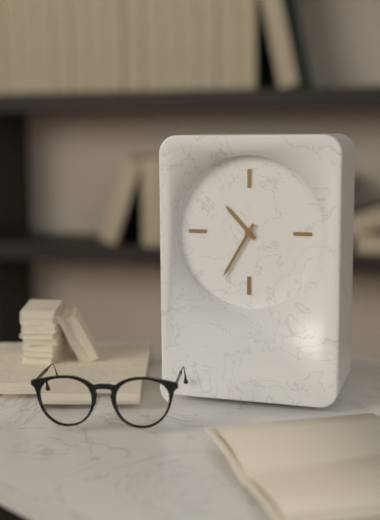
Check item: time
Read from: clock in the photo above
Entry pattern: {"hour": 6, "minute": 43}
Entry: {"hour": 10, "minute": 35}
